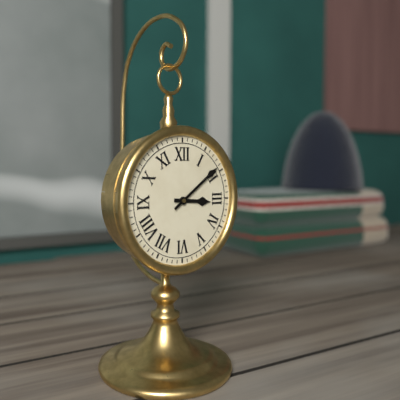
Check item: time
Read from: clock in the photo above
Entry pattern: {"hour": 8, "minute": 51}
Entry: {"hour": 3, "minute": 9}
